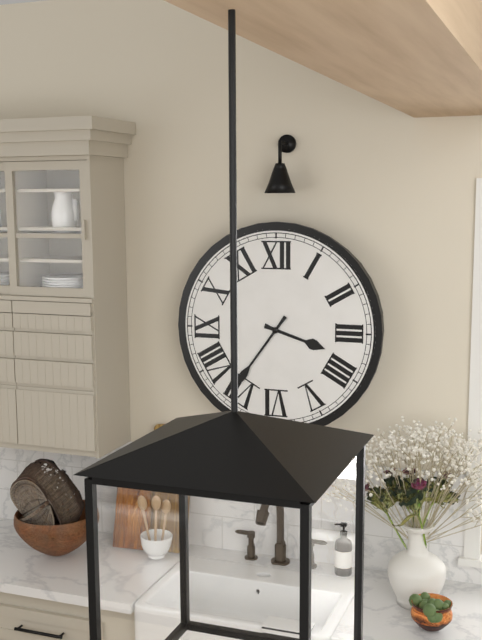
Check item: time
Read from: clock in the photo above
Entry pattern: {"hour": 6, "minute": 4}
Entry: {"hour": 3, "minute": 36}
